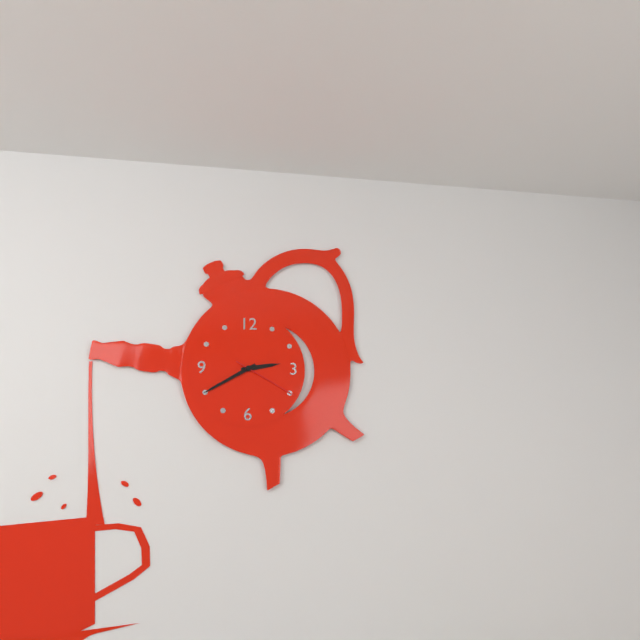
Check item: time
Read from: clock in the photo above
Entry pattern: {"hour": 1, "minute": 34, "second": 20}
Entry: {"hour": 2, "minute": 40, "second": 20}
